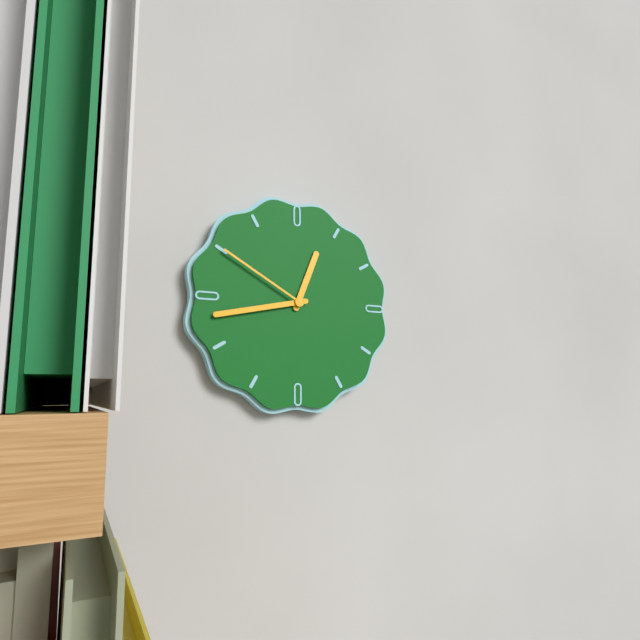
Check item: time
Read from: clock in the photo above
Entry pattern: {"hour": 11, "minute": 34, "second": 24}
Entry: {"hour": 12, "minute": 43, "second": 50}
